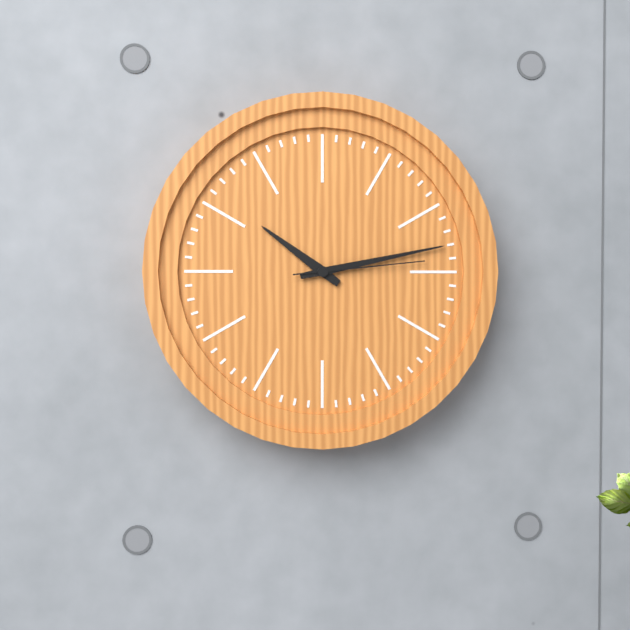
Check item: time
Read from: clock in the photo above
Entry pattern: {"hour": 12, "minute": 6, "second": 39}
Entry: {"hour": 10, "minute": 13, "second": 14}
